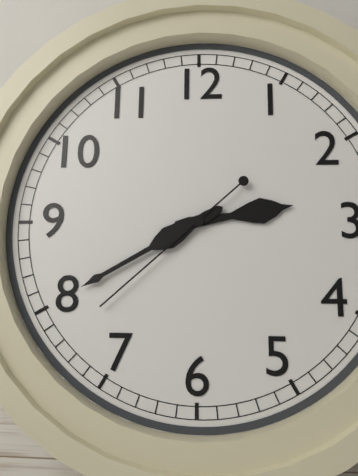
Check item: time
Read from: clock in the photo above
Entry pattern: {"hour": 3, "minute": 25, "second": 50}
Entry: {"hour": 2, "minute": 40, "second": 38}
